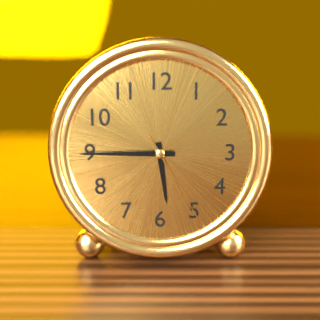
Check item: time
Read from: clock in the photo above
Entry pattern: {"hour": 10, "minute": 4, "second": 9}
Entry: {"hour": 5, "minute": 45, "second": 25}
